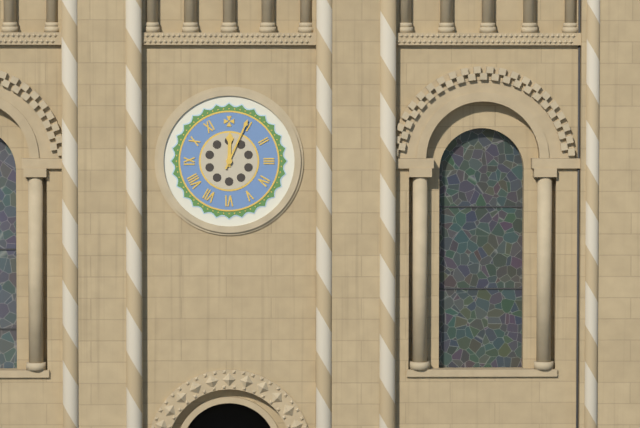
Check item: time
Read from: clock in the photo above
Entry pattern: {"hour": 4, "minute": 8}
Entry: {"hour": 12, "minute": 4}
